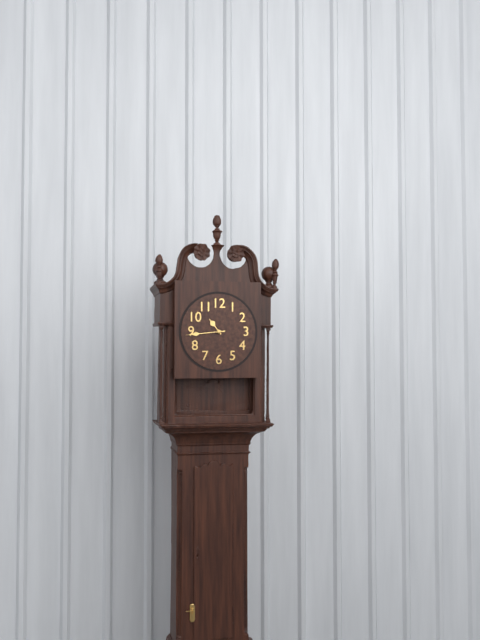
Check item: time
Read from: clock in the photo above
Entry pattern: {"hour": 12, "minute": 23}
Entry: {"hour": 10, "minute": 44}
